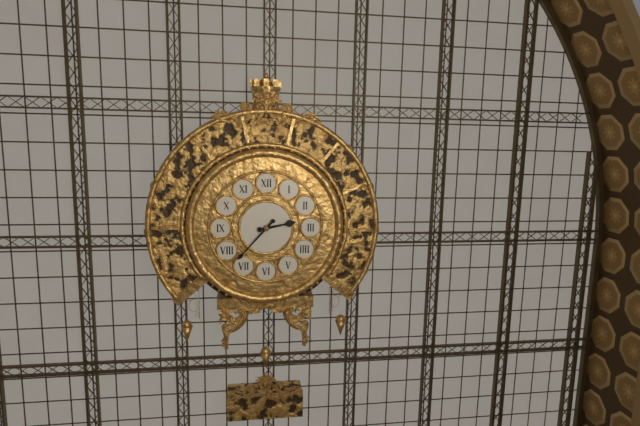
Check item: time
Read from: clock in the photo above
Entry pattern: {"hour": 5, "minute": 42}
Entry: {"hour": 2, "minute": 37}
